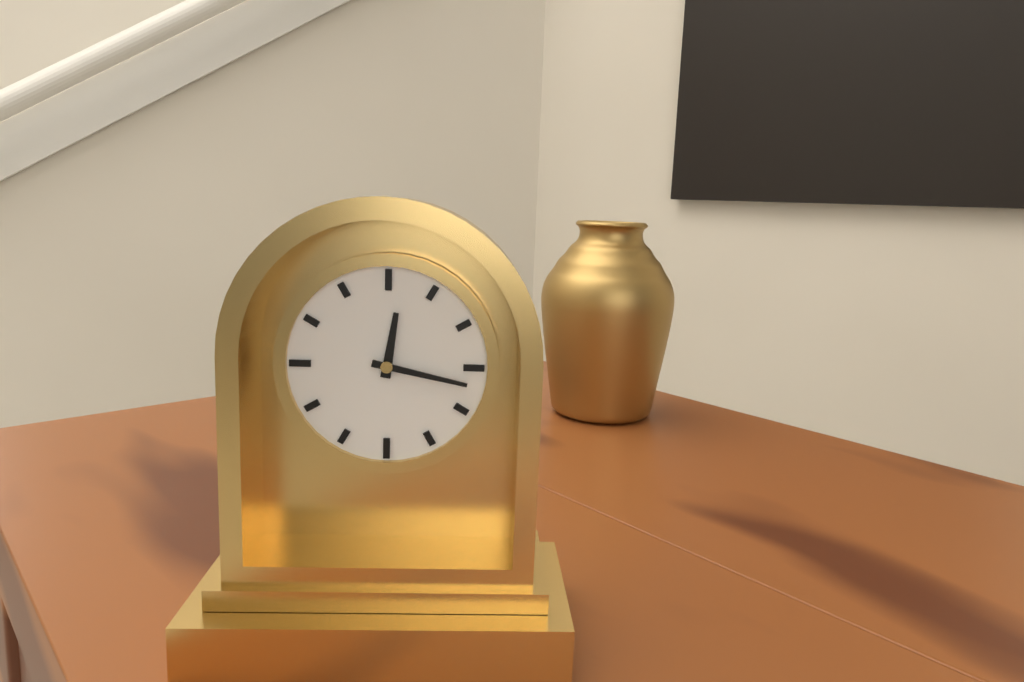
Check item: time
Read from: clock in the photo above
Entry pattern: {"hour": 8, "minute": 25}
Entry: {"hour": 12, "minute": 17}
